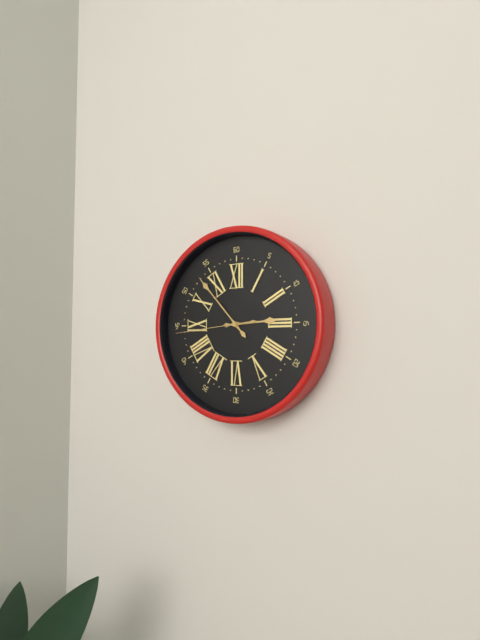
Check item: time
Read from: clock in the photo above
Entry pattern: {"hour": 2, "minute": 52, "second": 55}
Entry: {"hour": 2, "minute": 53, "second": 44}
